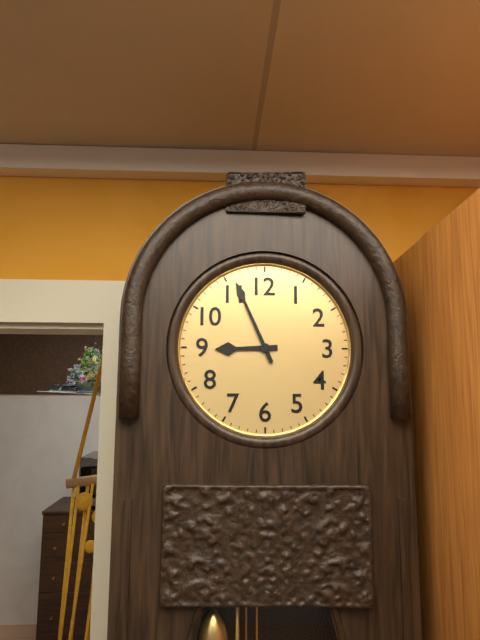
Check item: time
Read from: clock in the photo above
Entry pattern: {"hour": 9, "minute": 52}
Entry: {"hour": 8, "minute": 56}
